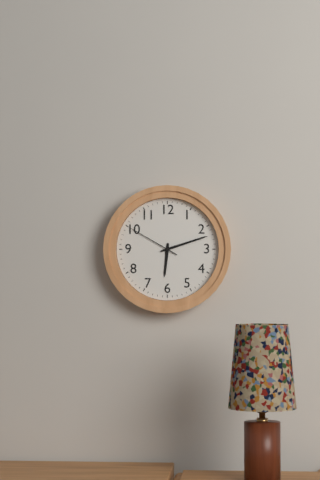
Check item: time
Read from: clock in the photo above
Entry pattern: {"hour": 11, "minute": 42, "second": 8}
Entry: {"hour": 6, "minute": 12, "second": 50}
